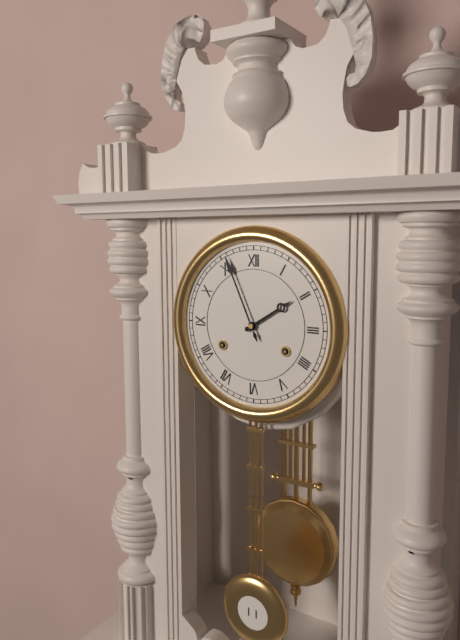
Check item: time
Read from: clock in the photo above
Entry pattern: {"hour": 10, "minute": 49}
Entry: {"hour": 1, "minute": 56}
